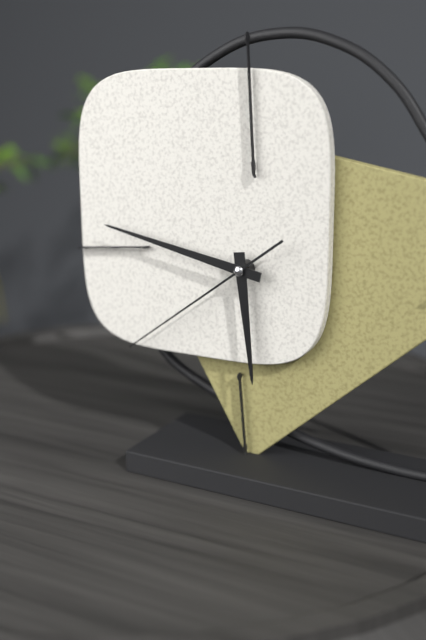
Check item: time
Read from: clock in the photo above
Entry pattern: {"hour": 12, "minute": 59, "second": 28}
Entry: {"hour": 5, "minute": 47, "second": 39}
